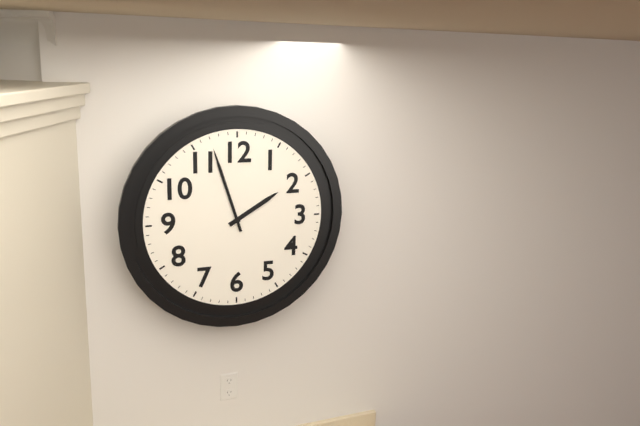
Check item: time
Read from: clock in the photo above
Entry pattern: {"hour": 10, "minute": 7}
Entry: {"hour": 1, "minute": 57}
